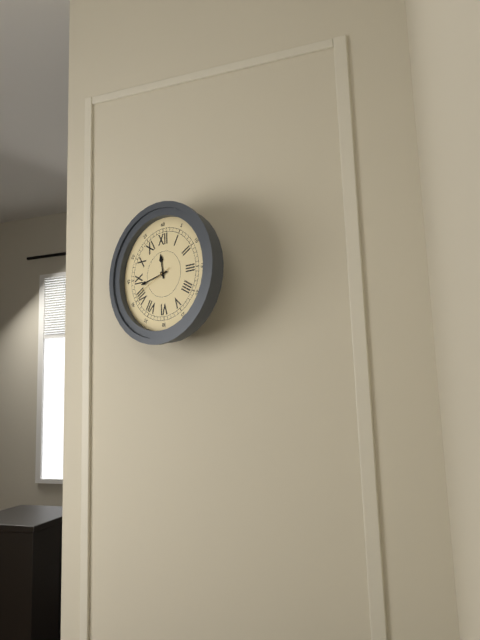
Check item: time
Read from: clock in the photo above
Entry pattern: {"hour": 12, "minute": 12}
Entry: {"hour": 11, "minute": 43}
